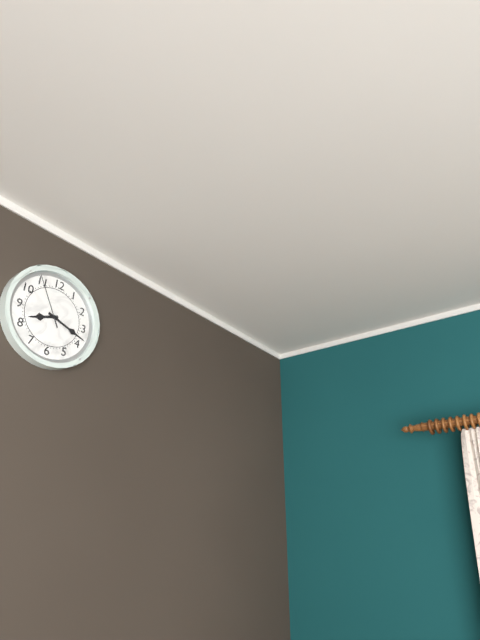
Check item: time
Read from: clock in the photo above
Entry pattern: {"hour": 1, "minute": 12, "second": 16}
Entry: {"hour": 8, "minute": 18, "second": 55}
